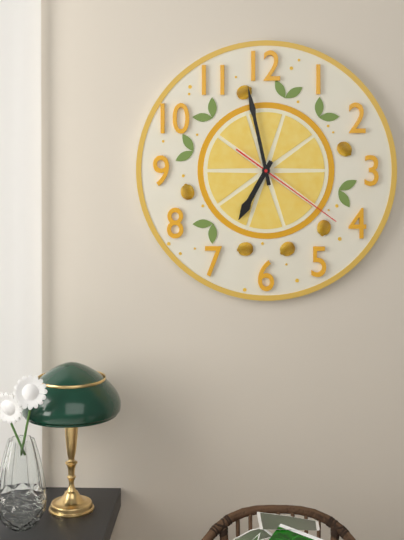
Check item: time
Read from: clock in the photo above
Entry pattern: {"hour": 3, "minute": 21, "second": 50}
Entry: {"hour": 6, "minute": 58, "second": 21}
